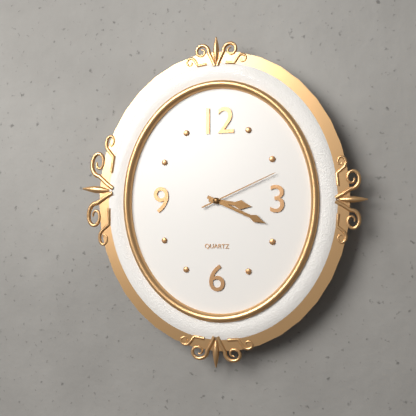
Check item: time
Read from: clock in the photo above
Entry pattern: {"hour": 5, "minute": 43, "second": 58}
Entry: {"hour": 3, "minute": 19, "second": 11}
